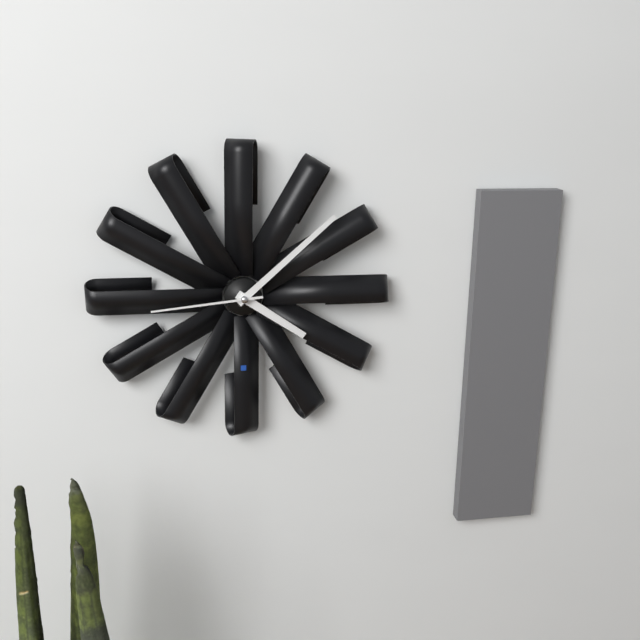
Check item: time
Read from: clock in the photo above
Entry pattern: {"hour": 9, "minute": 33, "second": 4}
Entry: {"hour": 4, "minute": 8, "second": 44}
